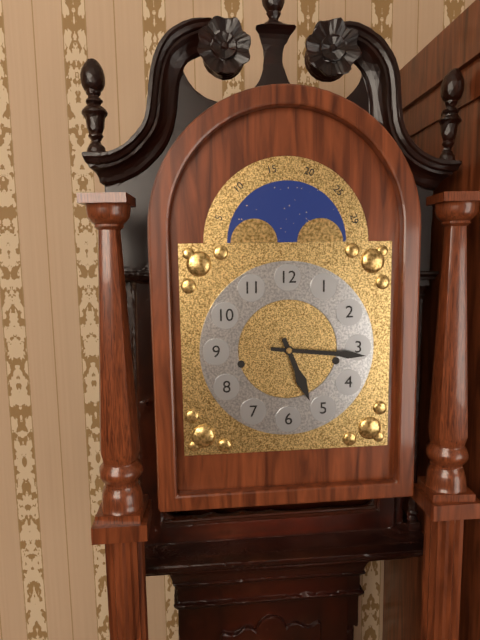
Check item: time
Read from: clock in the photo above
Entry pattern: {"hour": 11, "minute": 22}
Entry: {"hour": 5, "minute": 16}
